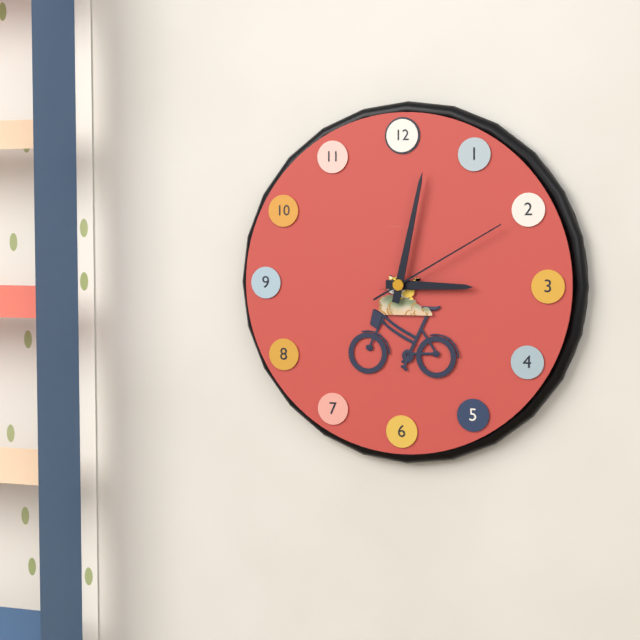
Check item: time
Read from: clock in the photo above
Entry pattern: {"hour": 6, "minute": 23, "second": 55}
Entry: {"hour": 3, "minute": 2, "second": 10}
